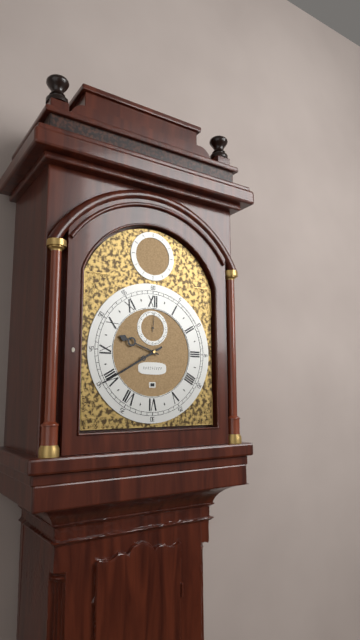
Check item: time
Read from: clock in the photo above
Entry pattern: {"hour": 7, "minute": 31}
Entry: {"hour": 9, "minute": 40}
